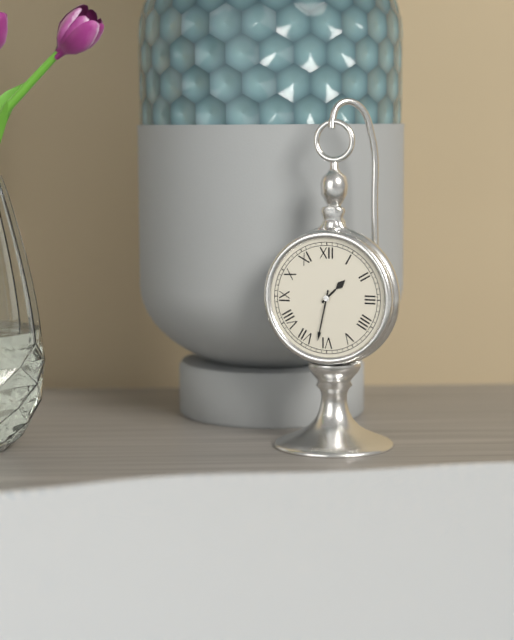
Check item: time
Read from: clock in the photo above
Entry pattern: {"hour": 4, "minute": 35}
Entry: {"hour": 1, "minute": 32}
